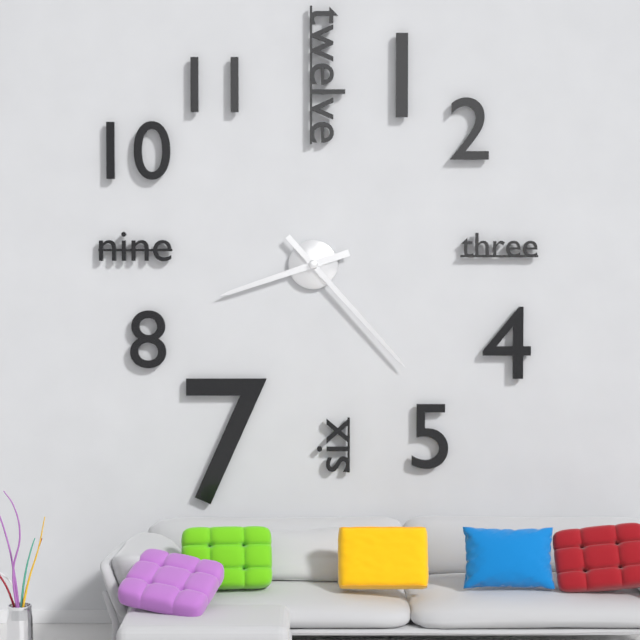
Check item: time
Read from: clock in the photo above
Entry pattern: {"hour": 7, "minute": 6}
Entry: {"hour": 8, "minute": 23}
